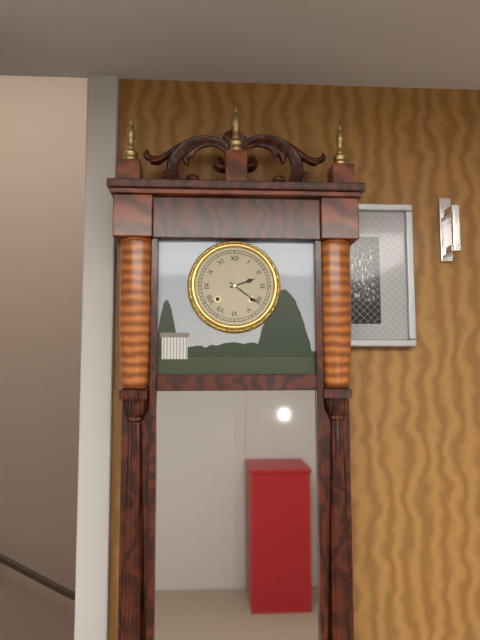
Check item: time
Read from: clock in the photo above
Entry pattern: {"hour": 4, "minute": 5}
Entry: {"hour": 2, "minute": 21}
